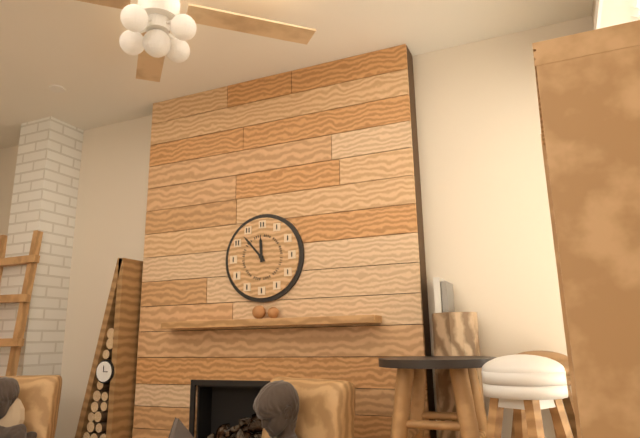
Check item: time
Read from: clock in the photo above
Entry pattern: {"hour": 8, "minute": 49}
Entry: {"hour": 11, "minute": 53}
